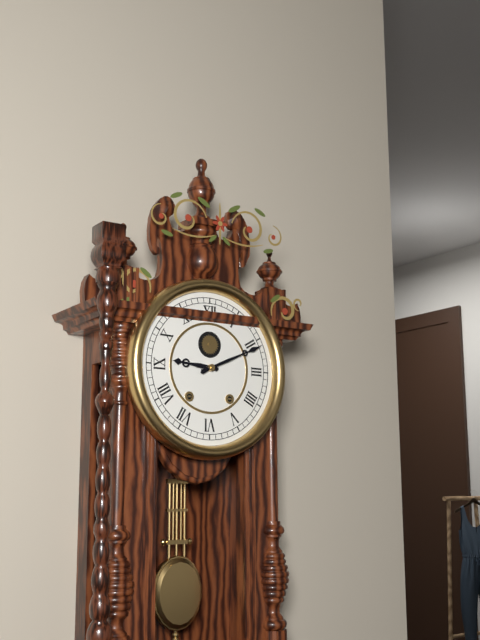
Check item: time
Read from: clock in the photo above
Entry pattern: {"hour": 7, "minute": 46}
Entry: {"hour": 9, "minute": 11}
